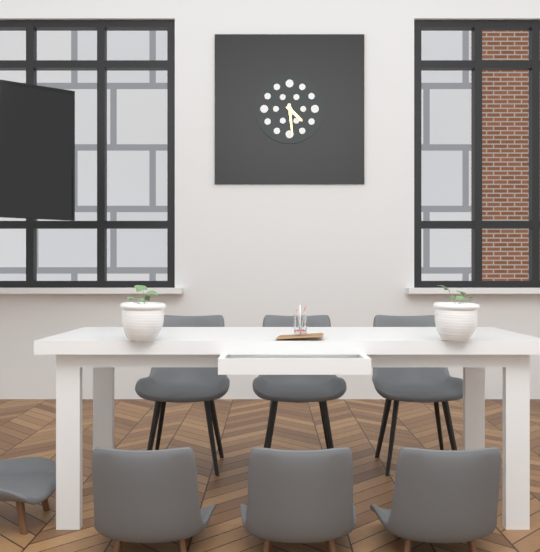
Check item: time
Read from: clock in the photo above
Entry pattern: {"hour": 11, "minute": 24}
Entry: {"hour": 4, "minute": 29}
